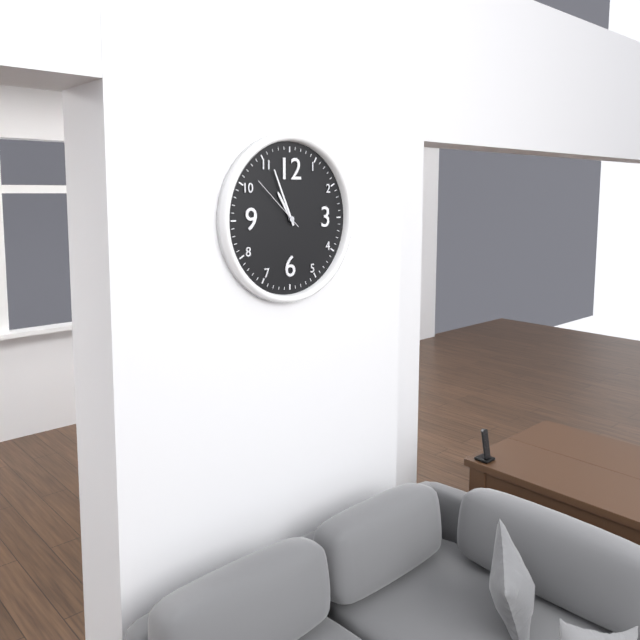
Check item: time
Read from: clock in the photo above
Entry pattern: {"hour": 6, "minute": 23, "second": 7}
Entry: {"hour": 10, "minute": 56, "second": 52}
